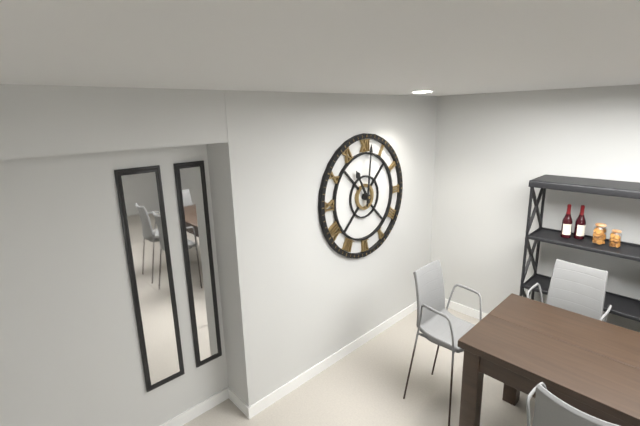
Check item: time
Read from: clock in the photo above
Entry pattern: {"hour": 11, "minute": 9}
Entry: {"hour": 11, "minute": 1}
